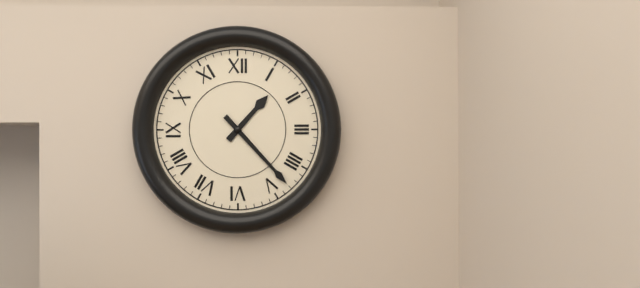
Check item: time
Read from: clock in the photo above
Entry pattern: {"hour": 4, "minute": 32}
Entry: {"hour": 1, "minute": 23}
